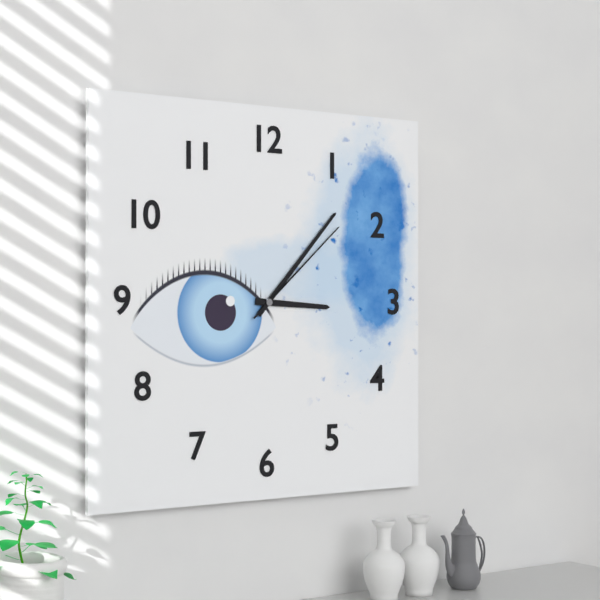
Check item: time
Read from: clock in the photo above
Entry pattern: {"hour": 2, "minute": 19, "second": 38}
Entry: {"hour": 3, "minute": 7, "second": 8}
